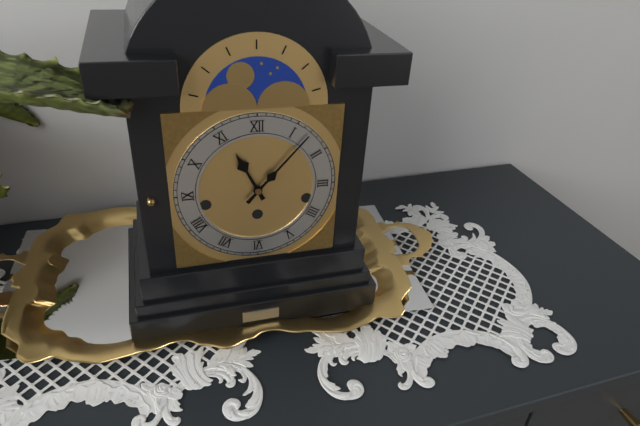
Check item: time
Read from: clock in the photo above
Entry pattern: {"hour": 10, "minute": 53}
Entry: {"hour": 11, "minute": 7}
